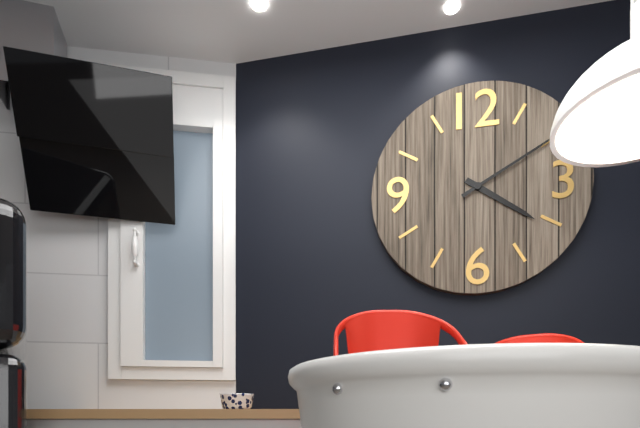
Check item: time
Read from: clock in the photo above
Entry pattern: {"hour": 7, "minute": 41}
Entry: {"hour": 4, "minute": 10}
